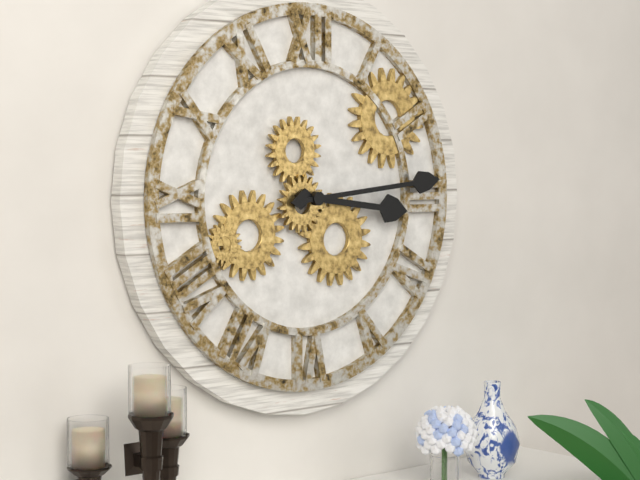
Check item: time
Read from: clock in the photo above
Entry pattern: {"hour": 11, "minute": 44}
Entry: {"hour": 3, "minute": 14}
